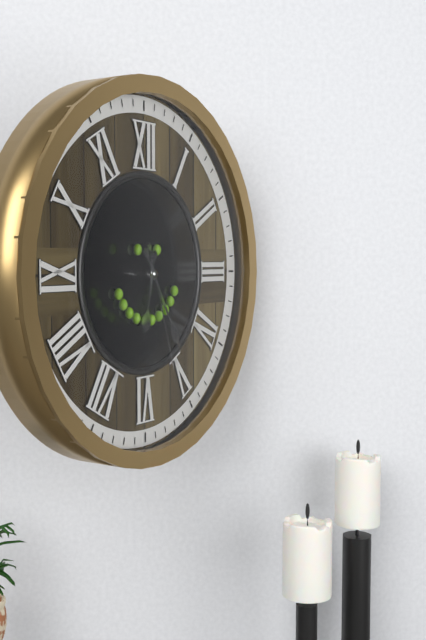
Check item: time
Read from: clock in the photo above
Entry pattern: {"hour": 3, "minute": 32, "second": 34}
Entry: {"hour": 6, "minute": 25, "second": 27}
